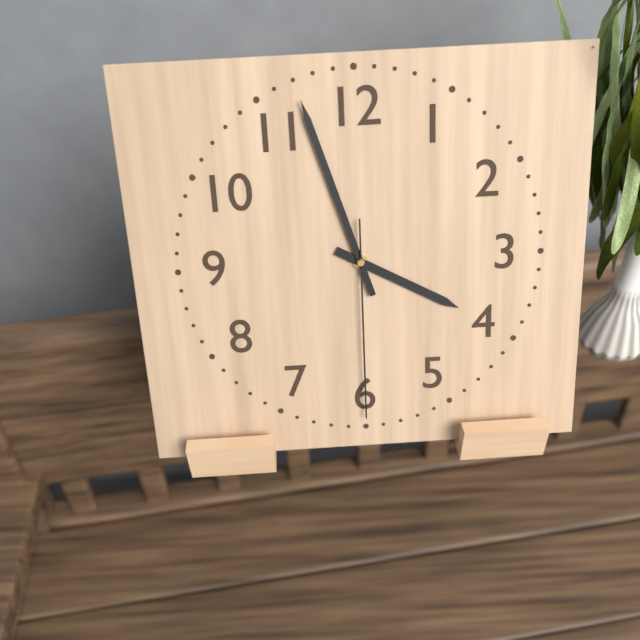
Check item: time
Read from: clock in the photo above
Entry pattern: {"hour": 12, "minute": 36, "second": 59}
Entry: {"hour": 3, "minute": 57, "second": 30}
